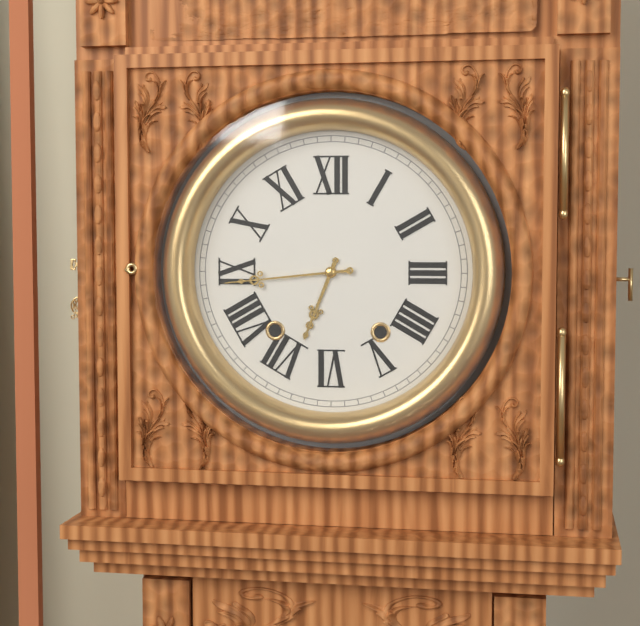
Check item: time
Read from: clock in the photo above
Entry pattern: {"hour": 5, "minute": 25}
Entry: {"hour": 6, "minute": 44}
